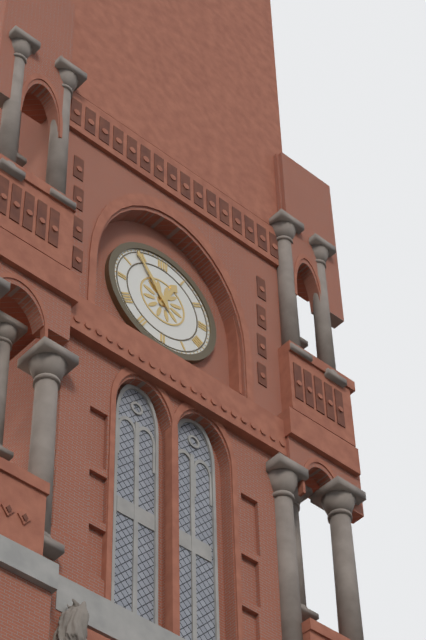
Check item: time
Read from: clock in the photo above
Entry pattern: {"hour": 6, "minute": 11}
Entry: {"hour": 12, "minute": 54}
